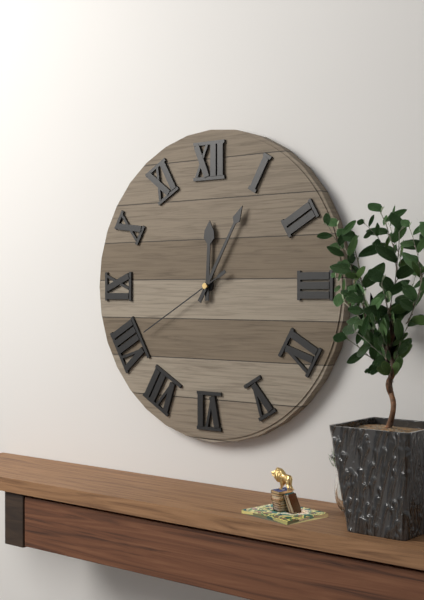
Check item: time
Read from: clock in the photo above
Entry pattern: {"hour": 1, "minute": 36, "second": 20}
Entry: {"hour": 12, "minute": 5, "second": 40}
